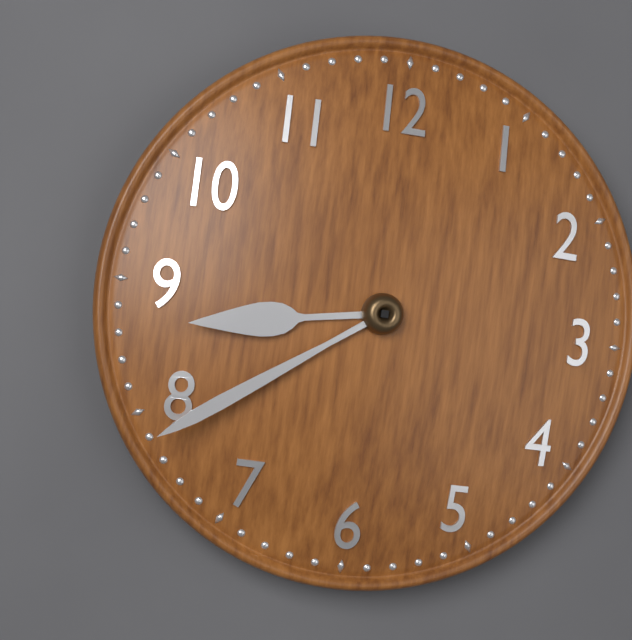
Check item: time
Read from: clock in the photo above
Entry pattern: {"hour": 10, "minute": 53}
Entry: {"hour": 8, "minute": 39}
